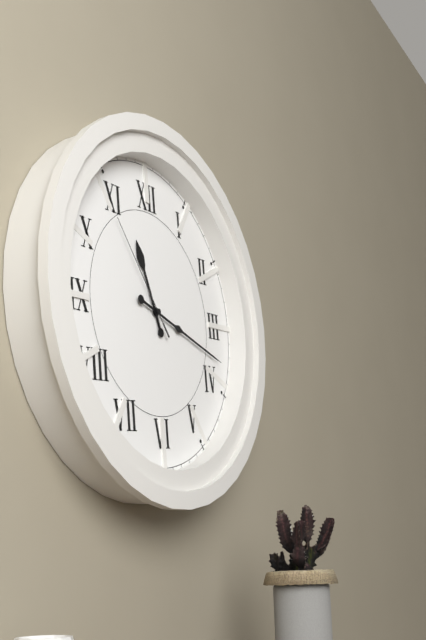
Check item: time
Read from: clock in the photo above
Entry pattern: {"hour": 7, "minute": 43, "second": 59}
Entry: {"hour": 11, "minute": 18, "second": 54}
